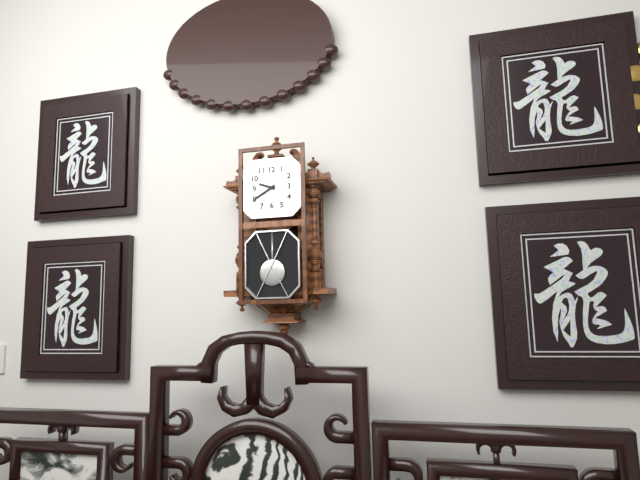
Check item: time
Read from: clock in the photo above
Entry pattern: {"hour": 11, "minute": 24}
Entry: {"hour": 9, "minute": 40}
